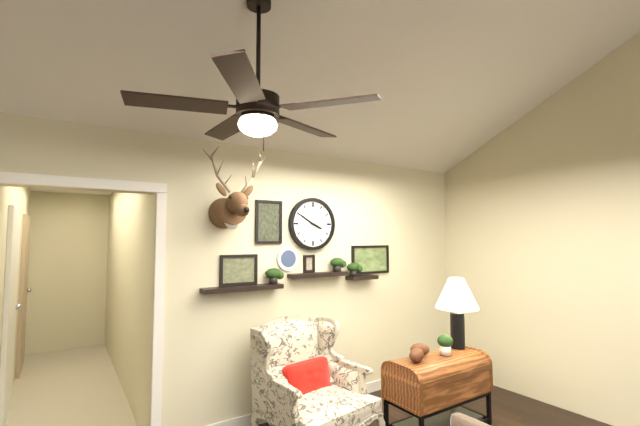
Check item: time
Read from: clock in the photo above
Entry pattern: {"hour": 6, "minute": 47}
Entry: {"hour": 3, "minute": 50}
